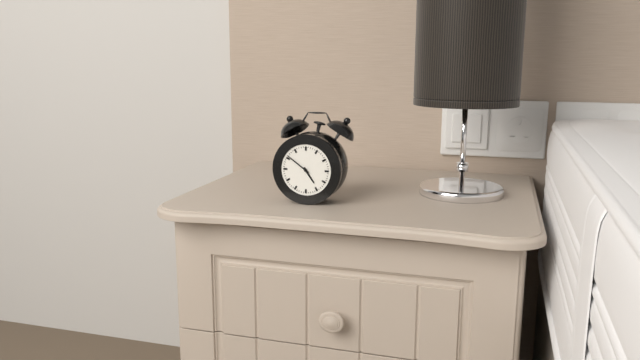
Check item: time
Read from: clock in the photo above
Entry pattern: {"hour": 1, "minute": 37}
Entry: {"hour": 4, "minute": 51}
